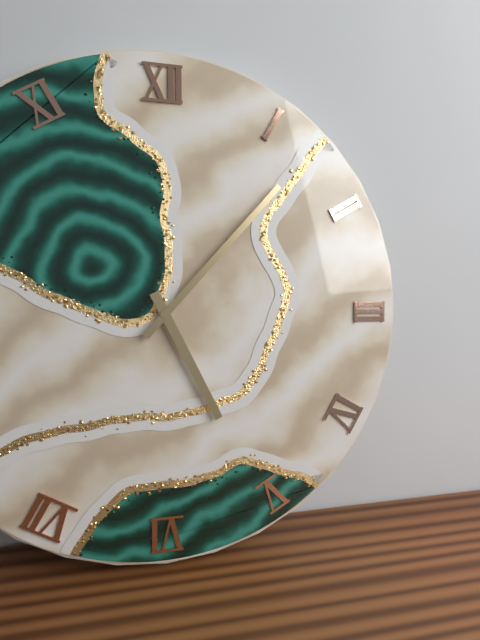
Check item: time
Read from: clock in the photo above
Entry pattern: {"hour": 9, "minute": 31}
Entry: {"hour": 5, "minute": 7}
